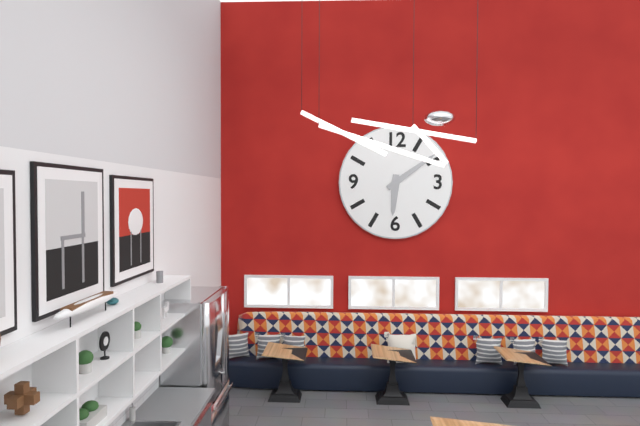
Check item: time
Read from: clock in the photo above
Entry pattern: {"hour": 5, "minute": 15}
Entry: {"hour": 6, "minute": 9}
